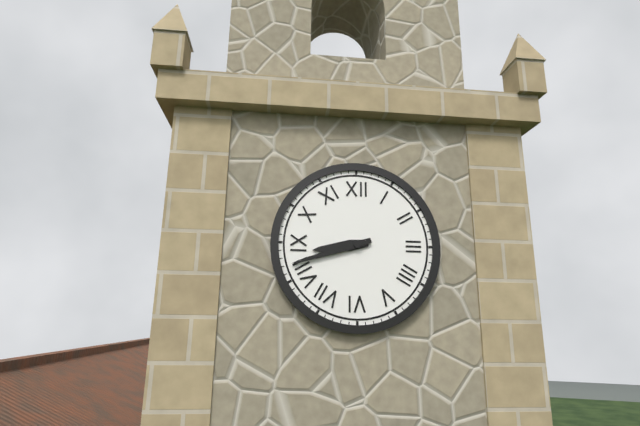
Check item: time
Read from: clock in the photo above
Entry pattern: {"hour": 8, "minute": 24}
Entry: {"hour": 8, "minute": 42}
